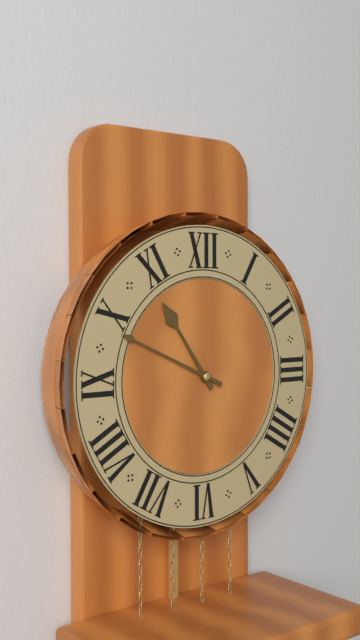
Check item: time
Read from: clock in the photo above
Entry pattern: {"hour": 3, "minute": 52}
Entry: {"hour": 10, "minute": 49}
